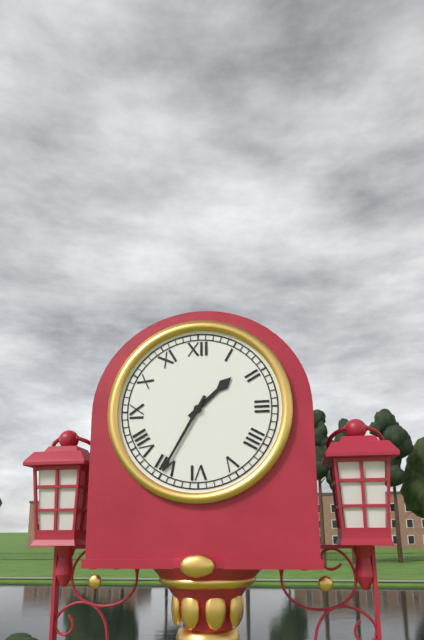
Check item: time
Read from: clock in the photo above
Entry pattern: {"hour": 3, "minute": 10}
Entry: {"hour": 1, "minute": 35}
